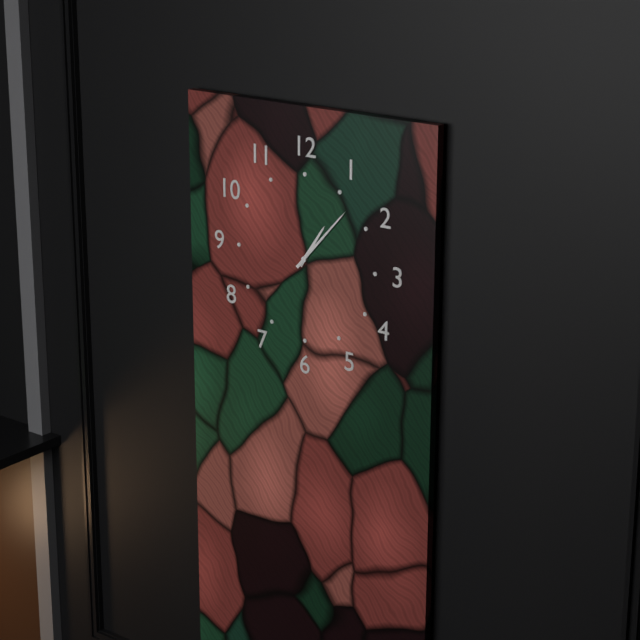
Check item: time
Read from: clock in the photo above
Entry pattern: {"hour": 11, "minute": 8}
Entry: {"hour": 1, "minute": 7}
